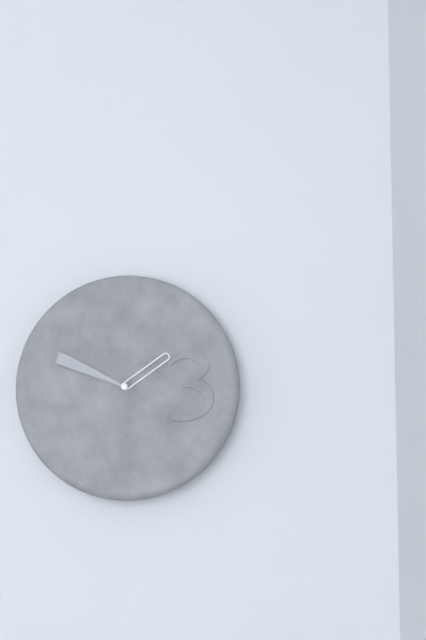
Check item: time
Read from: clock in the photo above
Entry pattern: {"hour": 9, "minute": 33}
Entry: {"hour": 1, "minute": 49}
